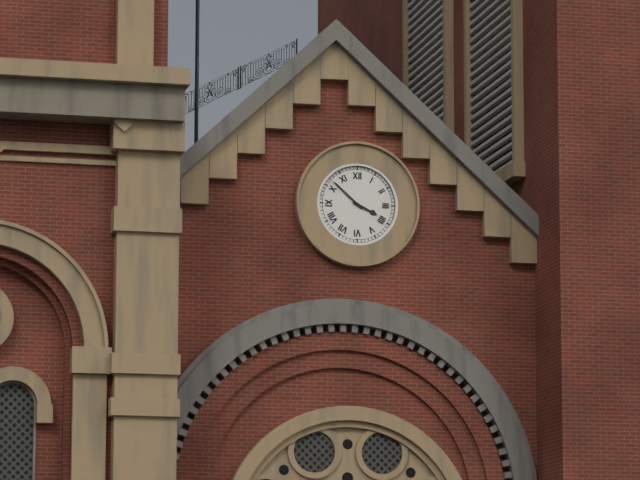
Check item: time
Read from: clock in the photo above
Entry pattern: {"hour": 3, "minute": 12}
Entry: {"hour": 3, "minute": 52}
